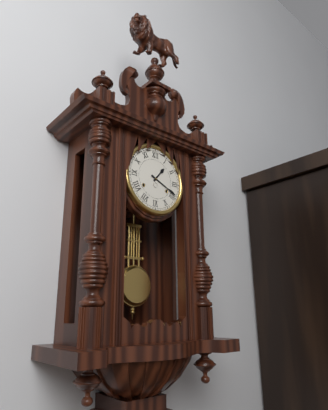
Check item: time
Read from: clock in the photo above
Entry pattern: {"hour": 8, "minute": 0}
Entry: {"hour": 1, "minute": 19}
